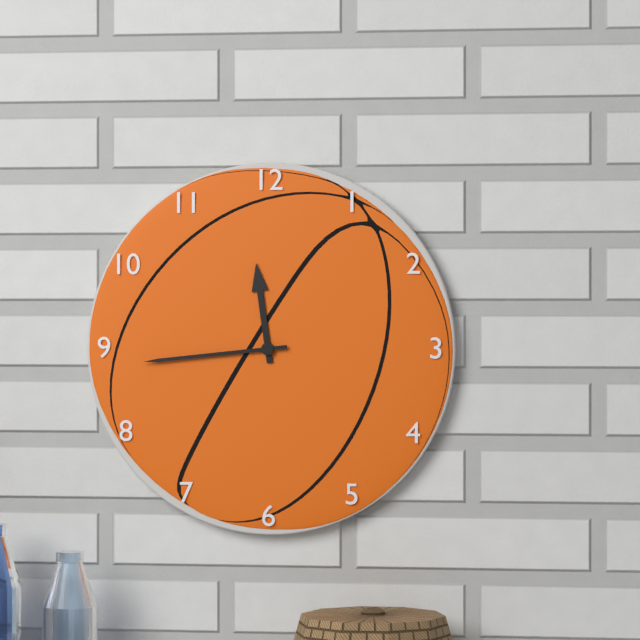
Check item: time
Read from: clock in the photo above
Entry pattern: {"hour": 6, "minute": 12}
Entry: {"hour": 11, "minute": 44}
